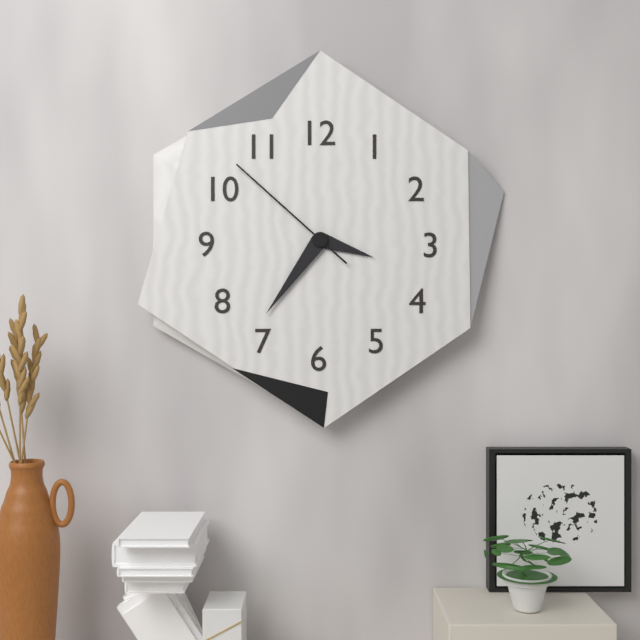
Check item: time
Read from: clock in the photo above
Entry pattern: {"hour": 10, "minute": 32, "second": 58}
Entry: {"hour": 3, "minute": 36, "second": 52}
